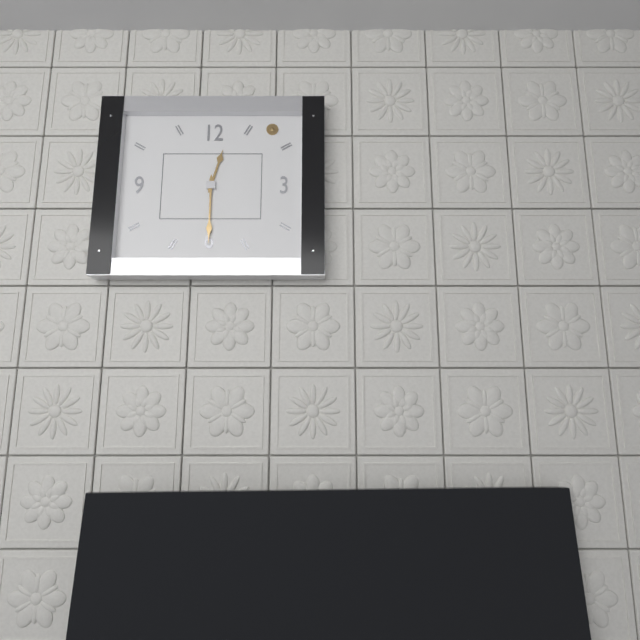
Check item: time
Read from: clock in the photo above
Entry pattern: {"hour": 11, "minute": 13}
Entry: {"hour": 12, "minute": 30}
